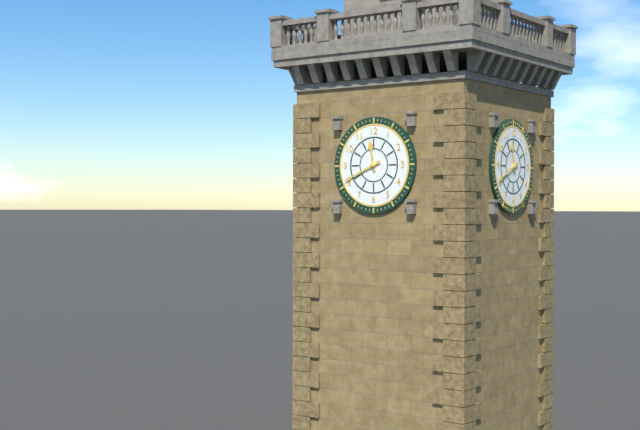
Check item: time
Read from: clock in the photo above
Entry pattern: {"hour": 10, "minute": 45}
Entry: {"hour": 11, "minute": 41}
